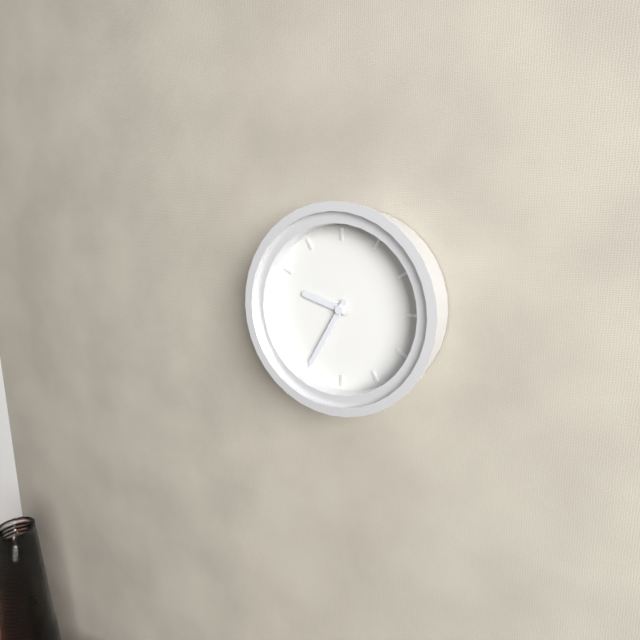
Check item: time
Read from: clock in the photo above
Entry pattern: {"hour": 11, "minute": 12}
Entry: {"hour": 9, "minute": 35}
